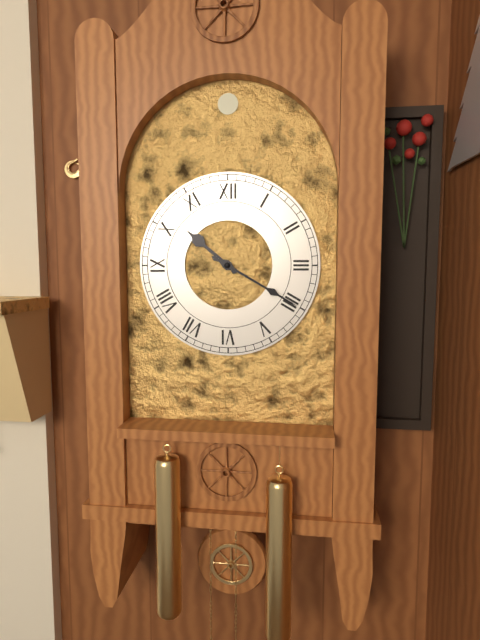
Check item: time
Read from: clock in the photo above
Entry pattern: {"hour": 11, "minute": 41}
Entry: {"hour": 10, "minute": 20}
